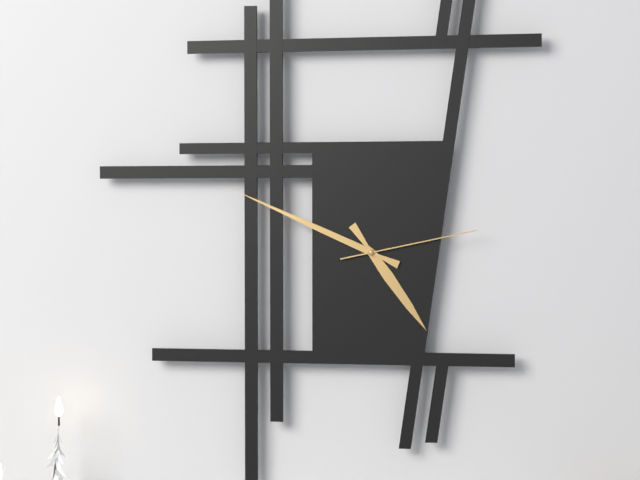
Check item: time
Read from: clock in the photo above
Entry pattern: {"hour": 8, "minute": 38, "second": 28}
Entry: {"hour": 4, "minute": 49, "second": 13}
